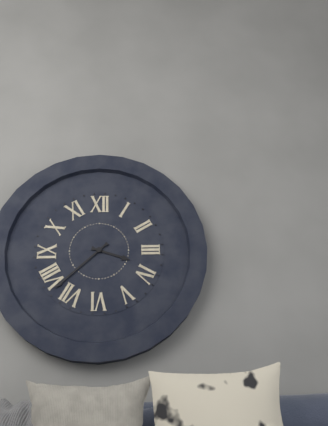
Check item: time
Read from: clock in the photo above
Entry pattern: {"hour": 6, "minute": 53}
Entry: {"hour": 3, "minute": 38}
